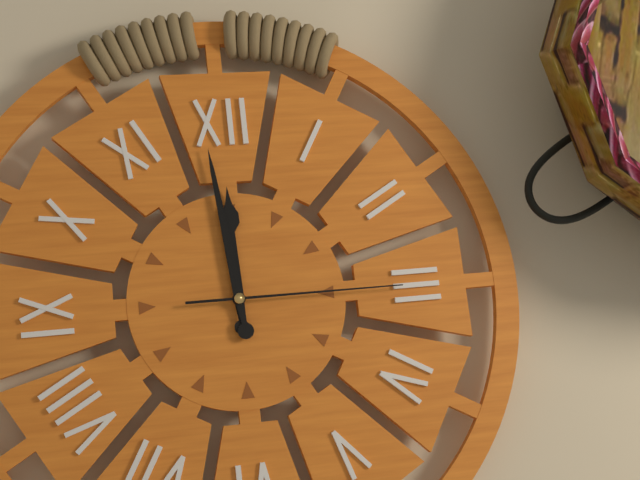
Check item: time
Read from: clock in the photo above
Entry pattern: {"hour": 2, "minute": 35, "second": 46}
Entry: {"hour": 11, "minute": 59, "second": 15}
